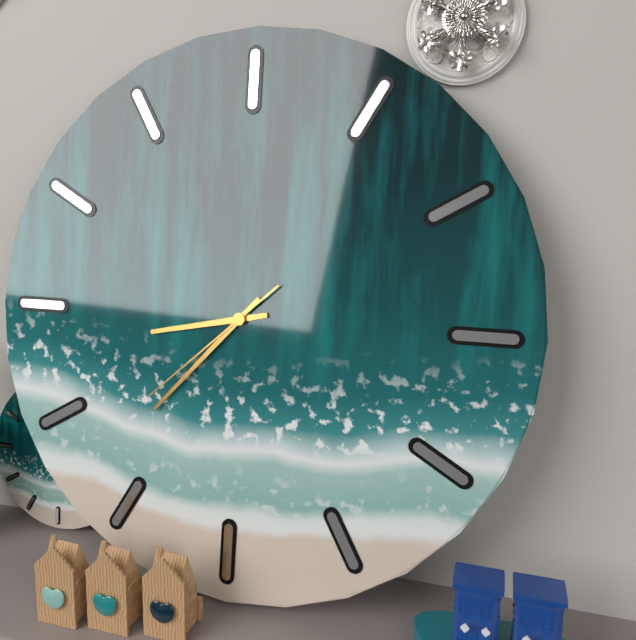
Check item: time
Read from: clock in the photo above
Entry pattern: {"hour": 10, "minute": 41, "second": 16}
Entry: {"hour": 8, "minute": 37, "second": 38}
